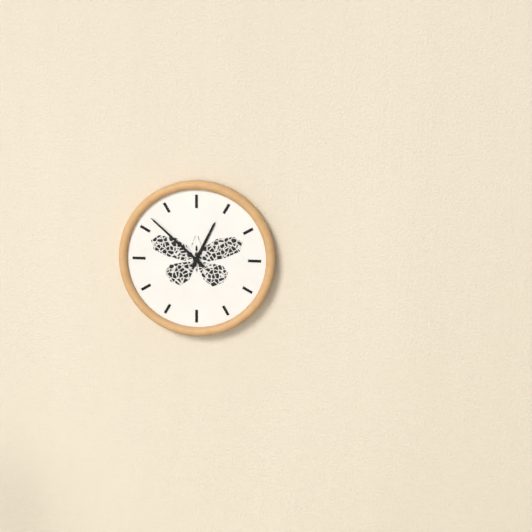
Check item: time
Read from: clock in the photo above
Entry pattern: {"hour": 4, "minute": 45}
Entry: {"hour": 12, "minute": 52}
